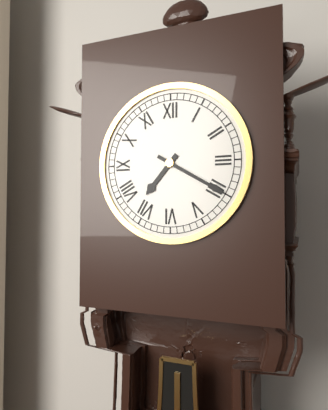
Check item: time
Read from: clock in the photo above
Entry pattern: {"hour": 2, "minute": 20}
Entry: {"hour": 7, "minute": 20}
